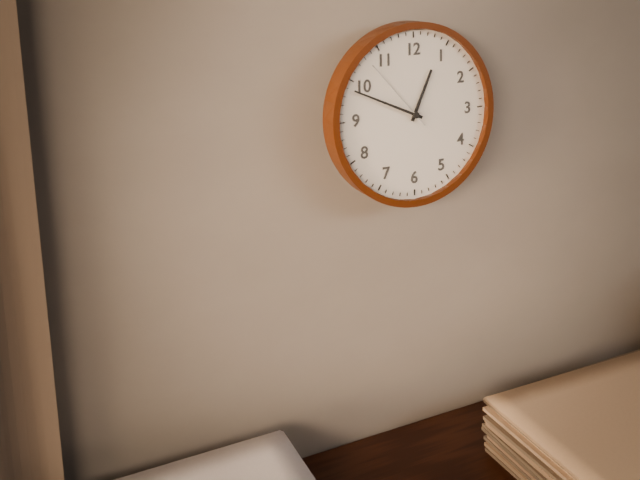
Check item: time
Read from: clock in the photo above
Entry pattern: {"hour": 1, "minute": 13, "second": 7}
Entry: {"hour": 12, "minute": 49, "second": 53}
